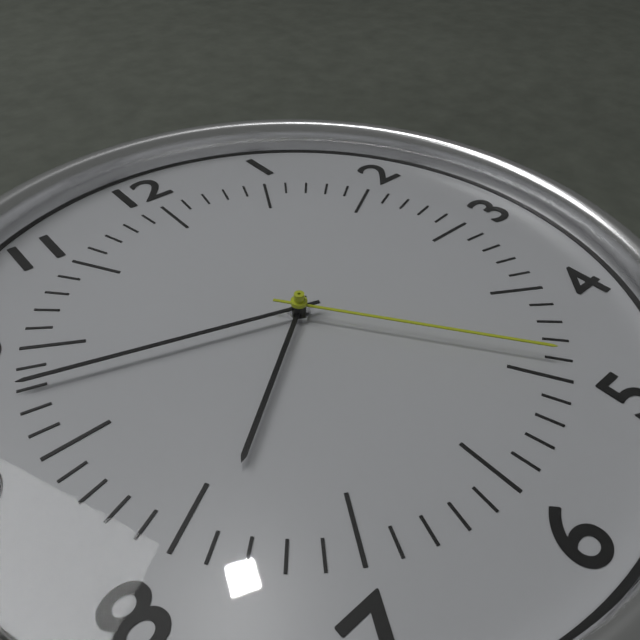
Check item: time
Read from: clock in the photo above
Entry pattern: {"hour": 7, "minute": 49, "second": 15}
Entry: {"hour": 7, "minute": 48, "second": 24}
